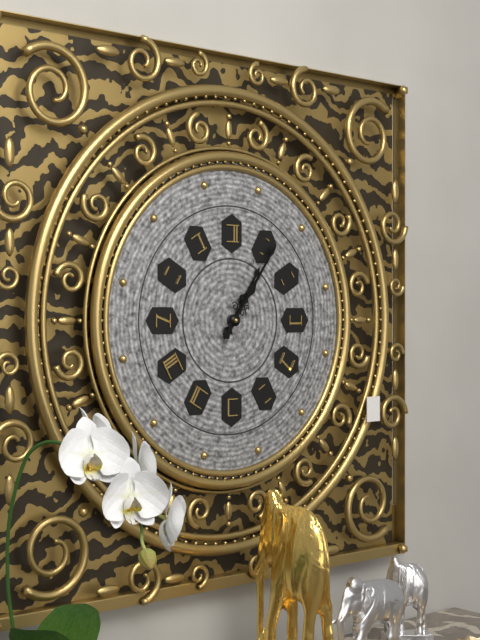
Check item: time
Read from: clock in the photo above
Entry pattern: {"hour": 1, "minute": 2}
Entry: {"hour": 1, "minute": 6}
